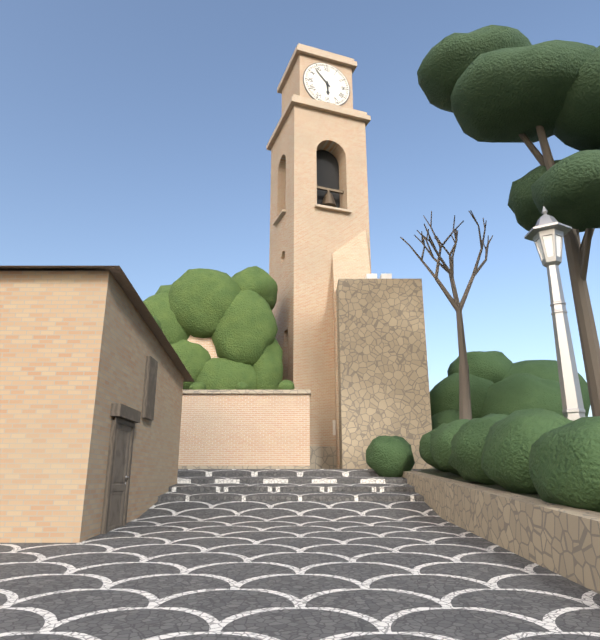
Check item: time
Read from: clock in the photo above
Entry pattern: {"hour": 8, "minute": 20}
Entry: {"hour": 5, "minute": 53}
